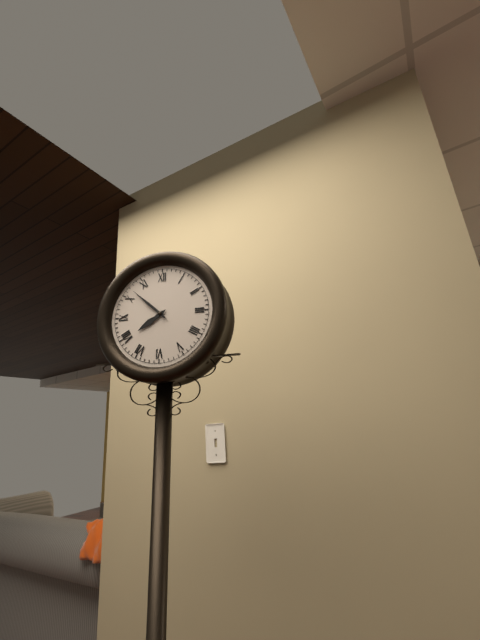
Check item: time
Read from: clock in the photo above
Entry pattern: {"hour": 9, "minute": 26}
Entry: {"hour": 7, "minute": 52}
